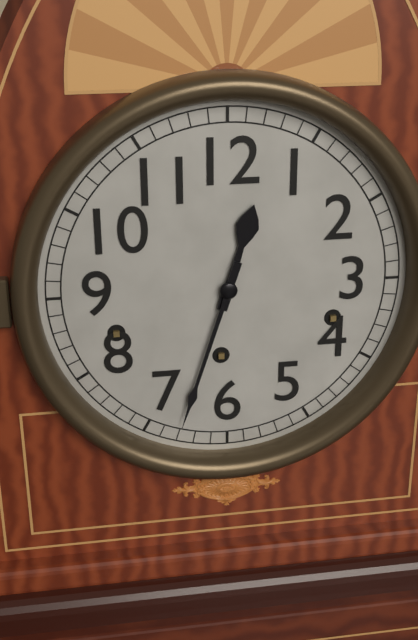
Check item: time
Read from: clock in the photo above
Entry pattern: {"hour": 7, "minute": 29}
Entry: {"hour": 12, "minute": 33}
